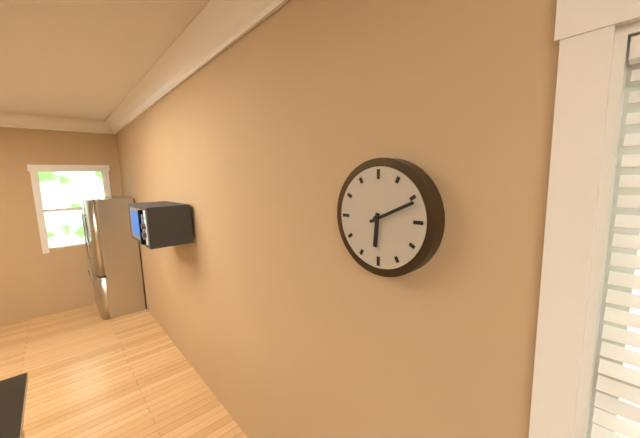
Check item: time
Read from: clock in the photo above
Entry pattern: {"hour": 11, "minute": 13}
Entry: {"hour": 6, "minute": 11}
